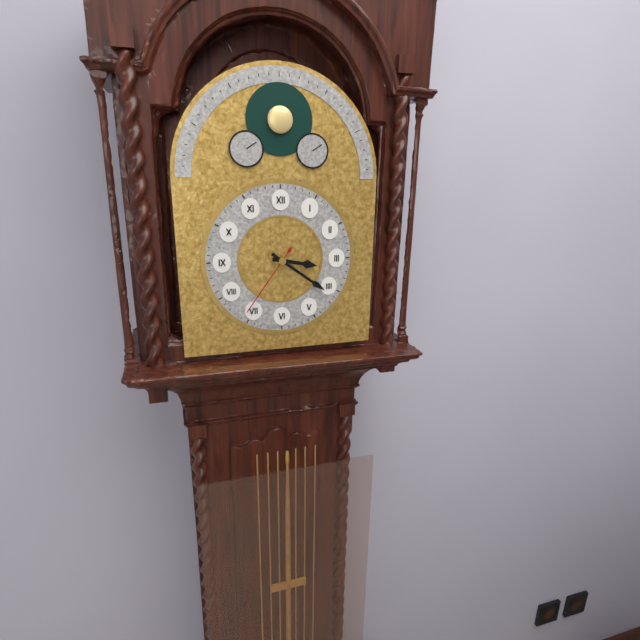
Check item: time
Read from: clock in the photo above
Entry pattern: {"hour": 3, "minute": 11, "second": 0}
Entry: {"hour": 3, "minute": 21, "second": 36}
